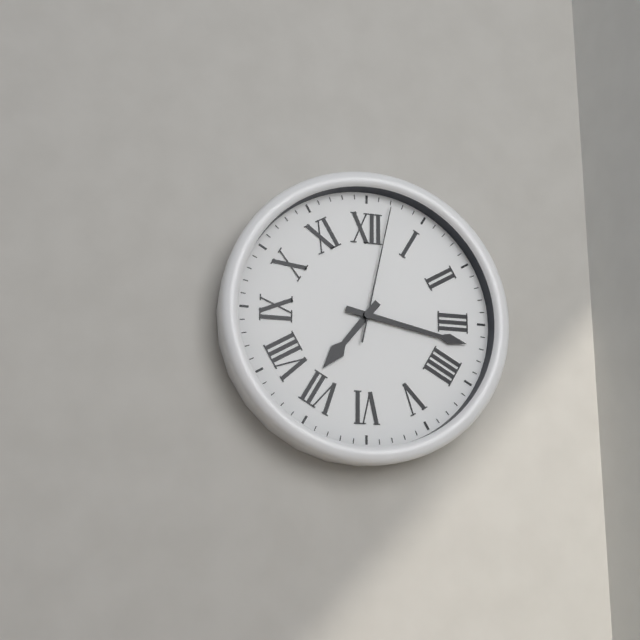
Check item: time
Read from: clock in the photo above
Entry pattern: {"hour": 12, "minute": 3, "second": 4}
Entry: {"hour": 7, "minute": 17, "second": 2}
